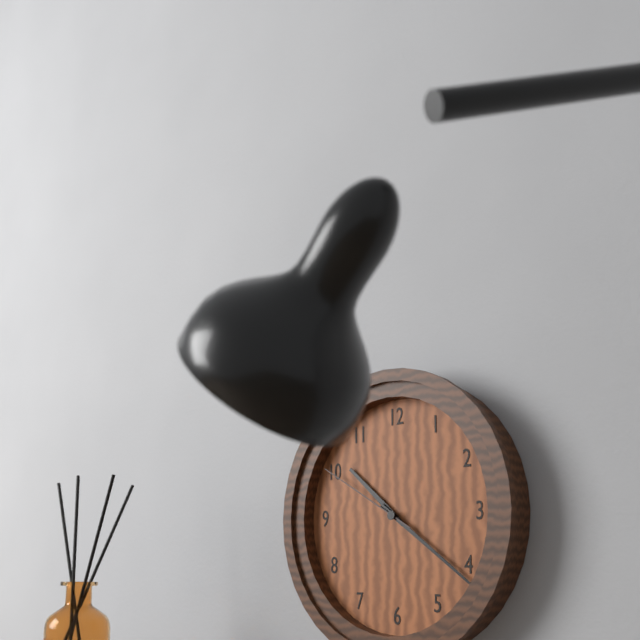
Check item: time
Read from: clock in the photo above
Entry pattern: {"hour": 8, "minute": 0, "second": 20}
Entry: {"hour": 10, "minute": 21, "second": 50}
